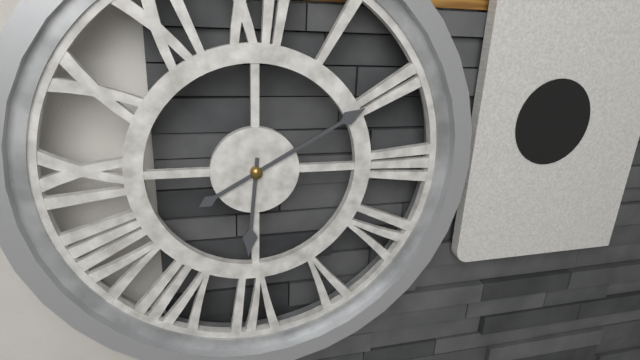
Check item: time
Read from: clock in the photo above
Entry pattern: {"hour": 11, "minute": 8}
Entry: {"hour": 6, "minute": 10}
